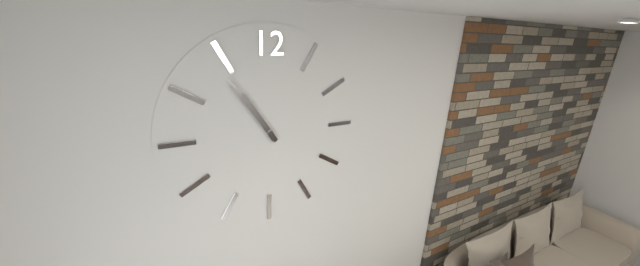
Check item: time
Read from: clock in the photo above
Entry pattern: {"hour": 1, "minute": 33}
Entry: {"hour": 10, "minute": 54}
